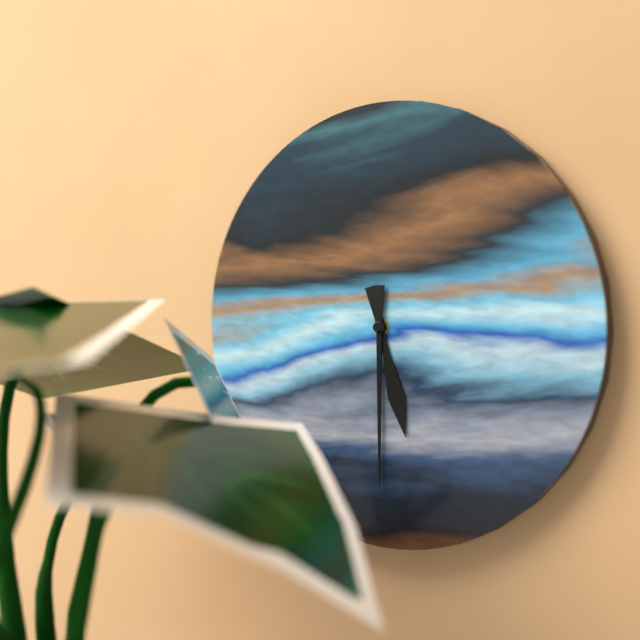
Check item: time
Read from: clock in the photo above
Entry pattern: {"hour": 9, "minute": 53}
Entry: {"hour": 5, "minute": 30}
